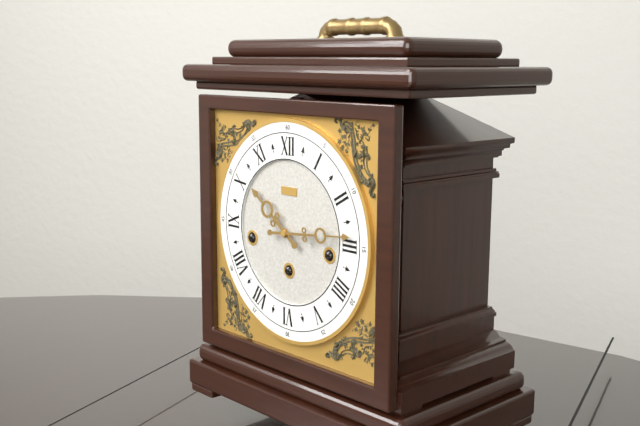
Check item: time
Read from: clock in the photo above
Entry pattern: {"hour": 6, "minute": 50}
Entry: {"hour": 10, "minute": 14}
